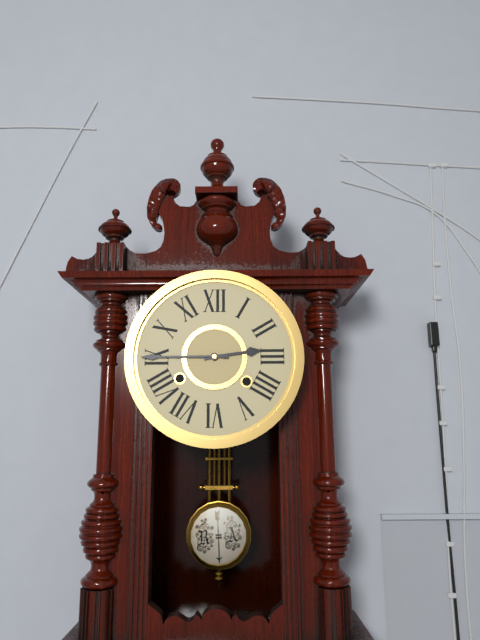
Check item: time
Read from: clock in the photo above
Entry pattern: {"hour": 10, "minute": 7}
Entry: {"hour": 2, "minute": 45}
